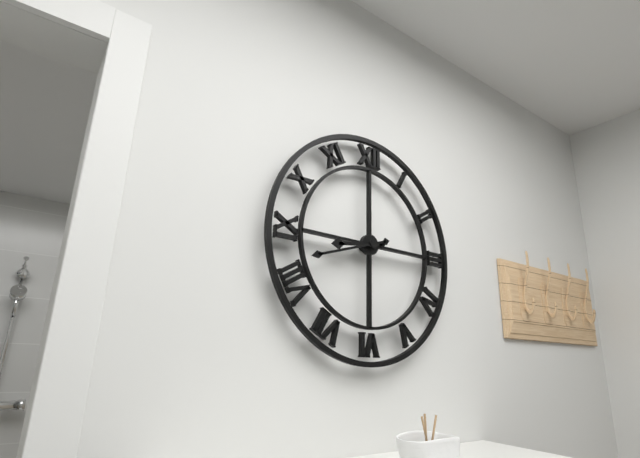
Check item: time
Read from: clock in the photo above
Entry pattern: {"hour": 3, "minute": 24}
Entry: {"hour": 8, "minute": 42}
